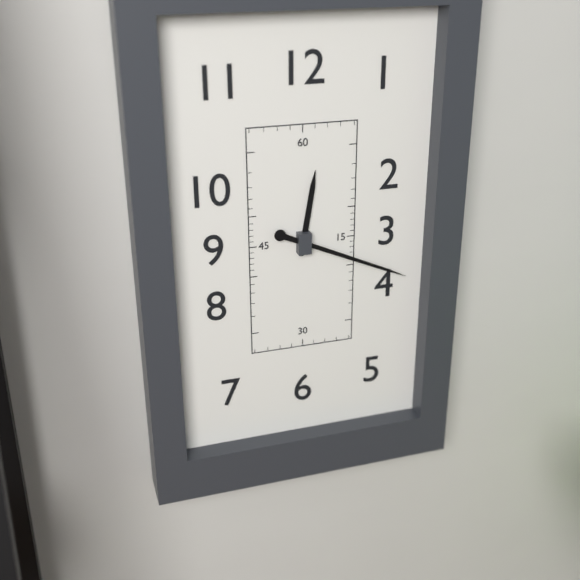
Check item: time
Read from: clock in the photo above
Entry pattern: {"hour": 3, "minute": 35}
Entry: {"hour": 12, "minute": 19}
